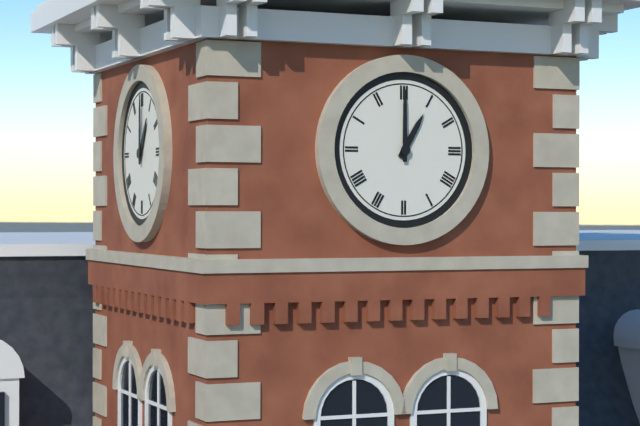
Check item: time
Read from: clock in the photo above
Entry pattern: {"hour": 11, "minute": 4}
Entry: {"hour": 1, "minute": 0}
